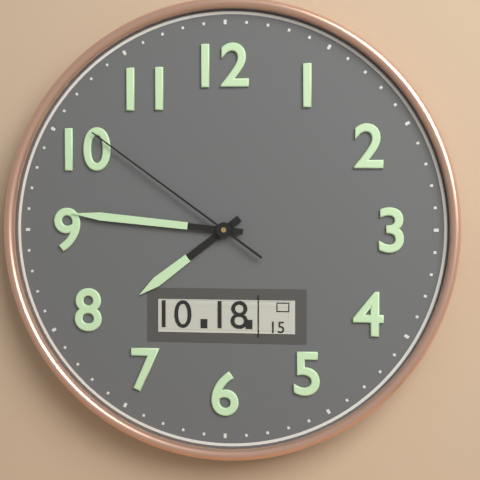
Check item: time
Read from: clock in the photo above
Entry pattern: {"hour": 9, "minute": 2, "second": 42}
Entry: {"hour": 7, "minute": 46, "second": 51}
